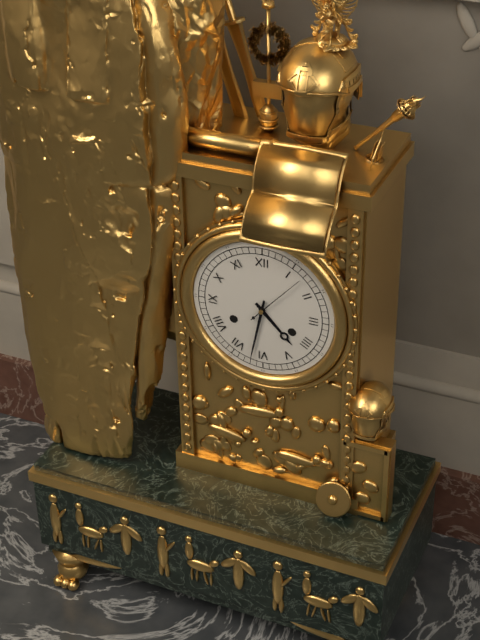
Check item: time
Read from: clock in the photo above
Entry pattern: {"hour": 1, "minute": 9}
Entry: {"hour": 4, "minute": 32}
